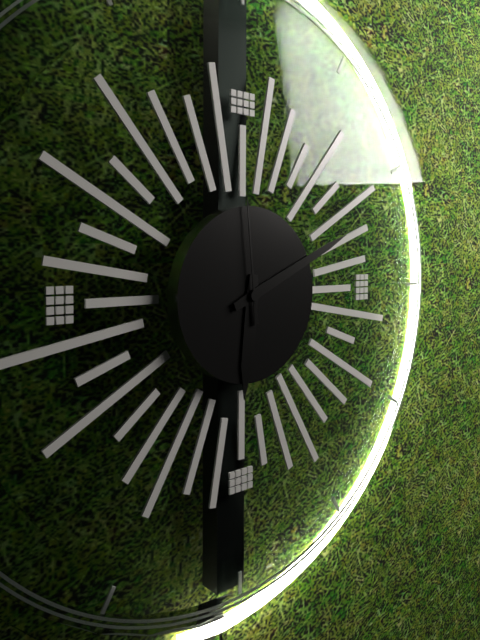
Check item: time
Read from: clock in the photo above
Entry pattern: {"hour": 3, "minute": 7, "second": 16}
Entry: {"hour": 6, "minute": 11, "second": 59}
